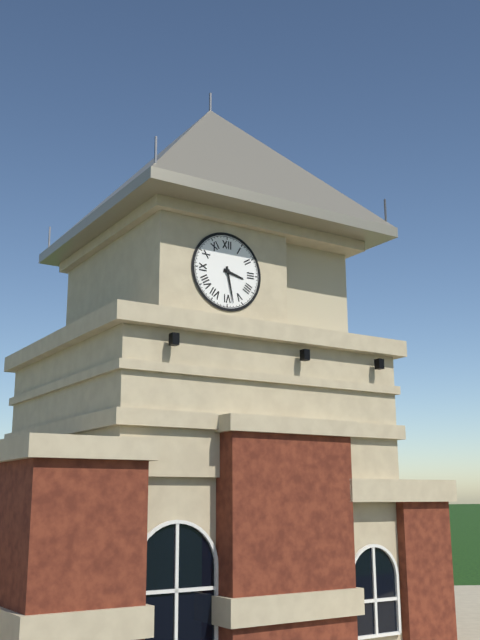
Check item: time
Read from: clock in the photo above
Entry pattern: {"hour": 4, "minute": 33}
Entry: {"hour": 3, "minute": 28}
